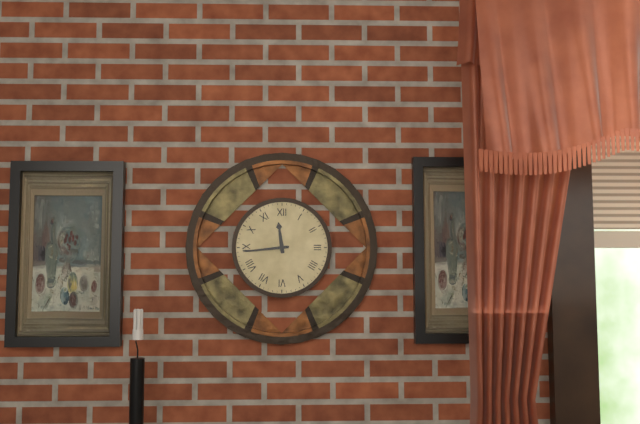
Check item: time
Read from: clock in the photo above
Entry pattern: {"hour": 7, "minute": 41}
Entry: {"hour": 11, "minute": 44}
